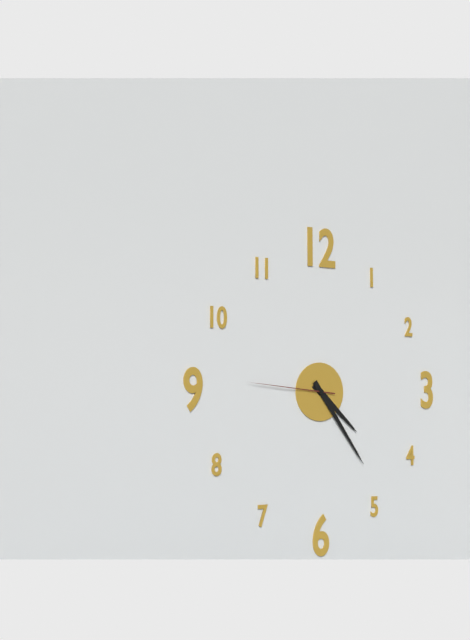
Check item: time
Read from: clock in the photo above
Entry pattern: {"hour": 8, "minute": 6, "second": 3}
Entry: {"hour": 4, "minute": 24, "second": 46}
